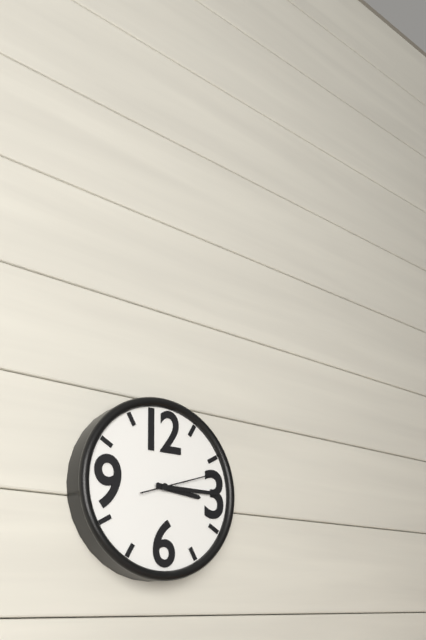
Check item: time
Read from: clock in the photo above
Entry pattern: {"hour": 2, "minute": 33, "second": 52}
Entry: {"hour": 3, "minute": 15, "second": 12}
